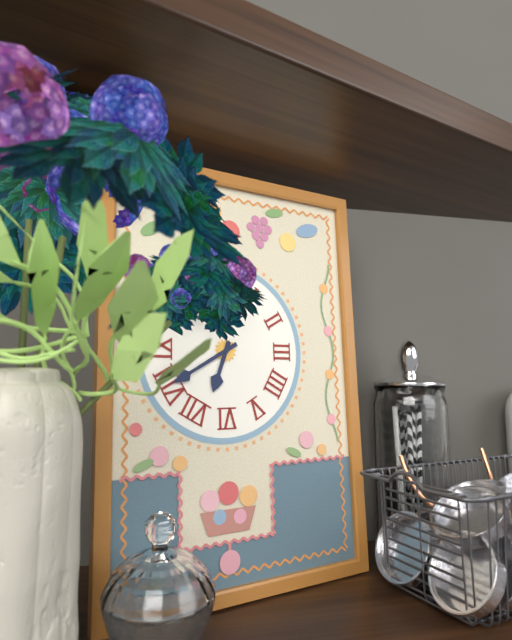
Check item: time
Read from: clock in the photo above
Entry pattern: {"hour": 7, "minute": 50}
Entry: {"hour": 6, "minute": 40}
